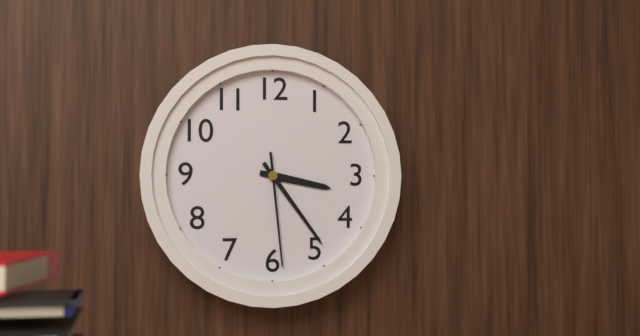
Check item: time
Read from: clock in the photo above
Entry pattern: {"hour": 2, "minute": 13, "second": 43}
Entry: {"hour": 3, "minute": 24, "second": 29}
